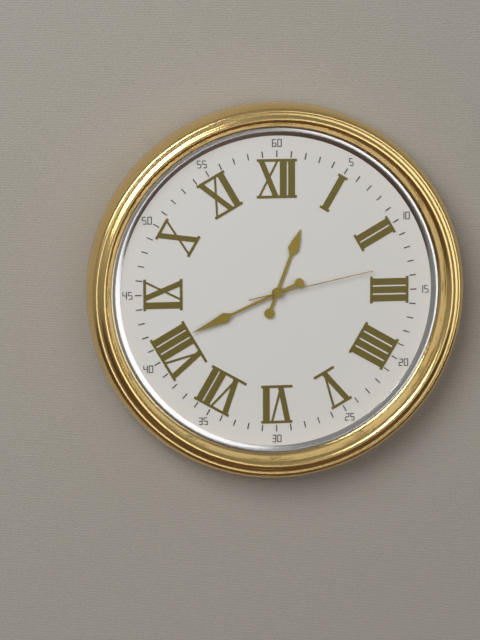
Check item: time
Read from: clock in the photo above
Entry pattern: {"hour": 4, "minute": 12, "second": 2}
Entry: {"hour": 12, "minute": 41, "second": 13}
